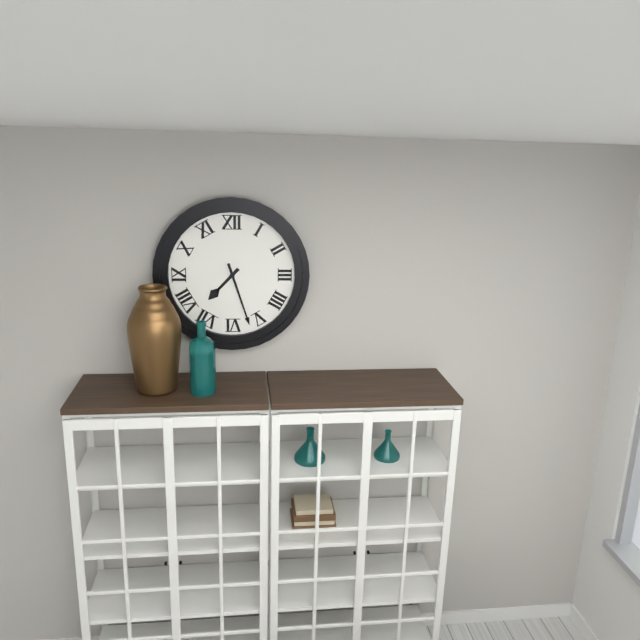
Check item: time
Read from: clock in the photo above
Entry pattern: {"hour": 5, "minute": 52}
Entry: {"hour": 7, "minute": 27}
